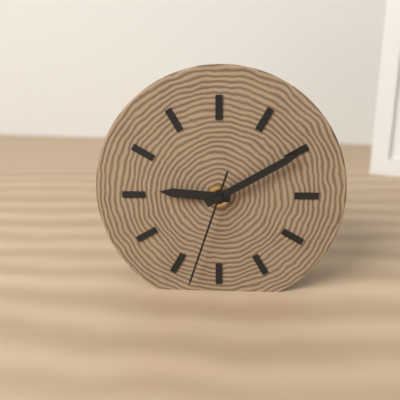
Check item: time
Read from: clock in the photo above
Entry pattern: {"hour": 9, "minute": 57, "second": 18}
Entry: {"hour": 9, "minute": 10, "second": 33}
